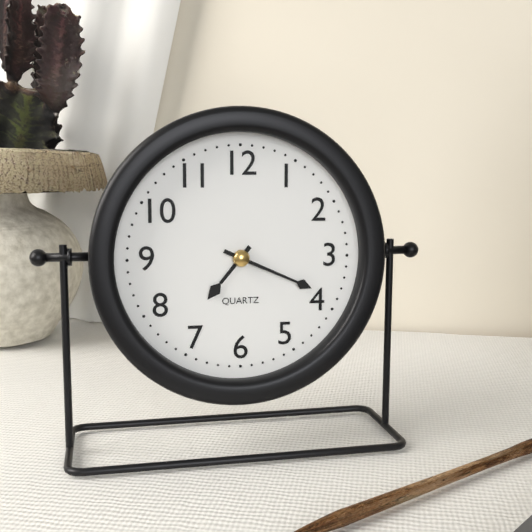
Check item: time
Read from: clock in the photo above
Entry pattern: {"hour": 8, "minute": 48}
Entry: {"hour": 7, "minute": 19}
